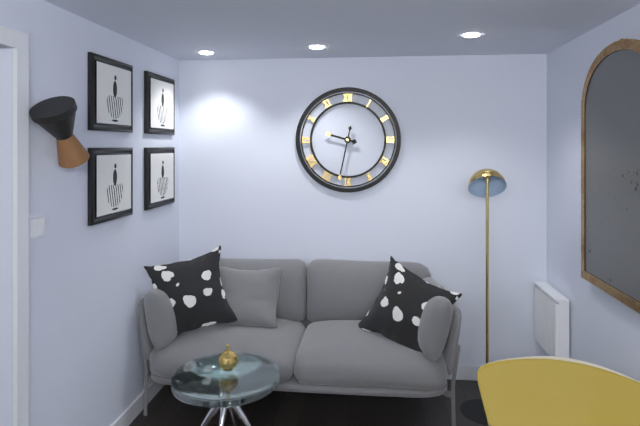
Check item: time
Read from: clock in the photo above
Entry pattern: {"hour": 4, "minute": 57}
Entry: {"hour": 9, "minute": 32}
